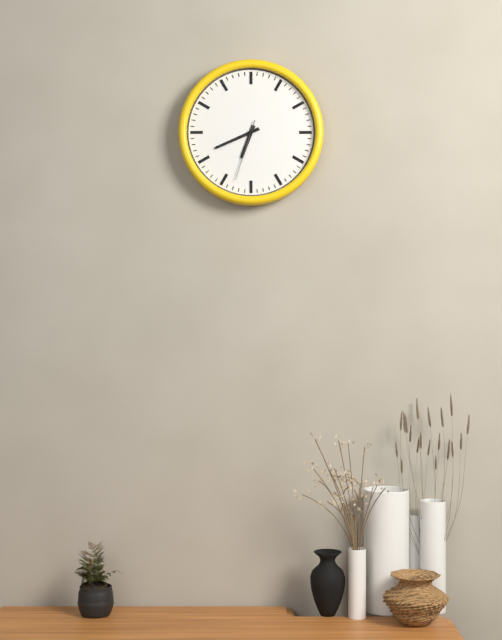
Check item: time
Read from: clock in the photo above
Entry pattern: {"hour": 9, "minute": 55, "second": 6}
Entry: {"hour": 6, "minute": 41, "second": 33}
